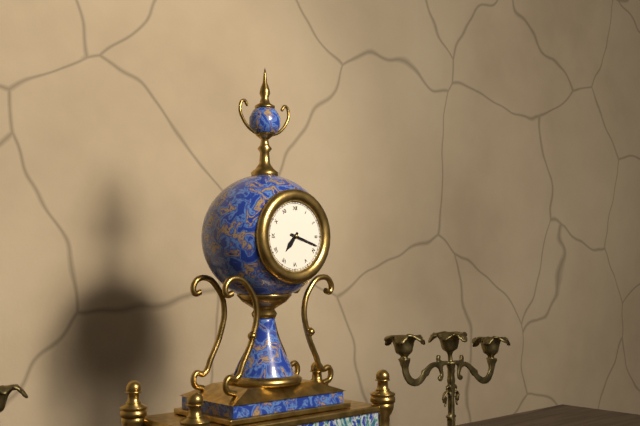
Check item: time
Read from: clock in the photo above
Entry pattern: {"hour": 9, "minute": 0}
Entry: {"hour": 7, "minute": 18}
